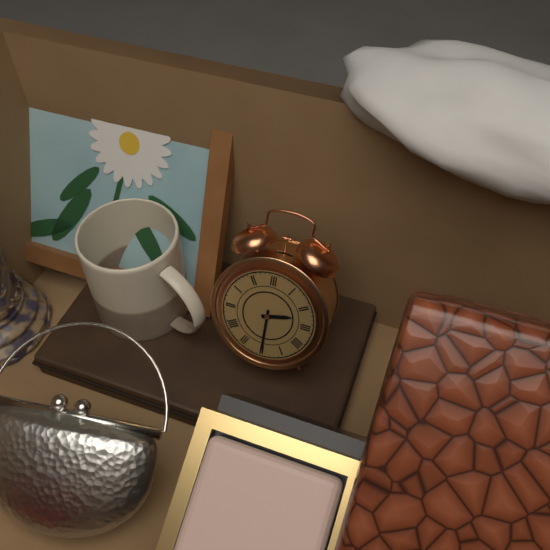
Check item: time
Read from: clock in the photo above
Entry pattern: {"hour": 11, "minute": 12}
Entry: {"hour": 2, "minute": 30}
